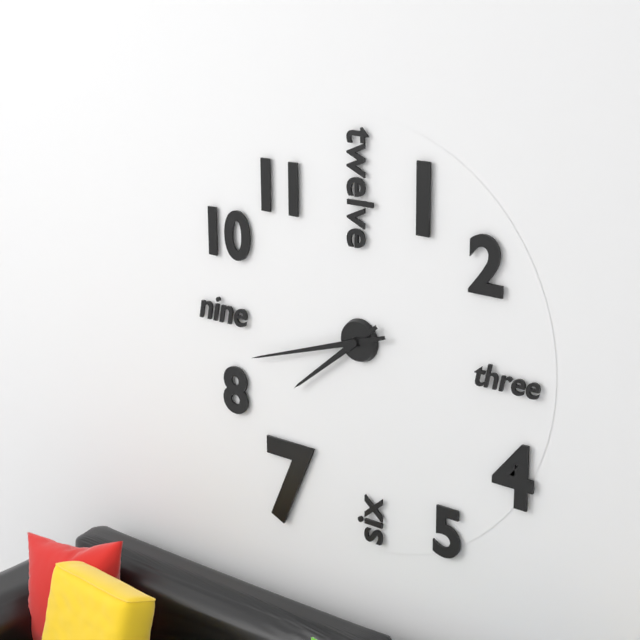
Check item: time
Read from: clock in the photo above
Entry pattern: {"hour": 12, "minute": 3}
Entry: {"hour": 7, "minute": 42}
